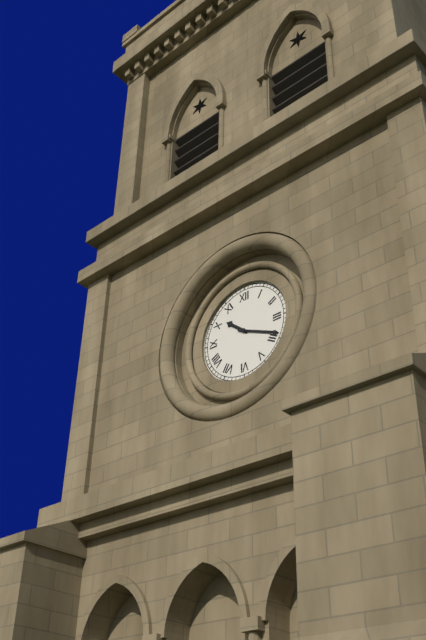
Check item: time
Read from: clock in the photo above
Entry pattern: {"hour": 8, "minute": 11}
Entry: {"hour": 10, "minute": 19}
